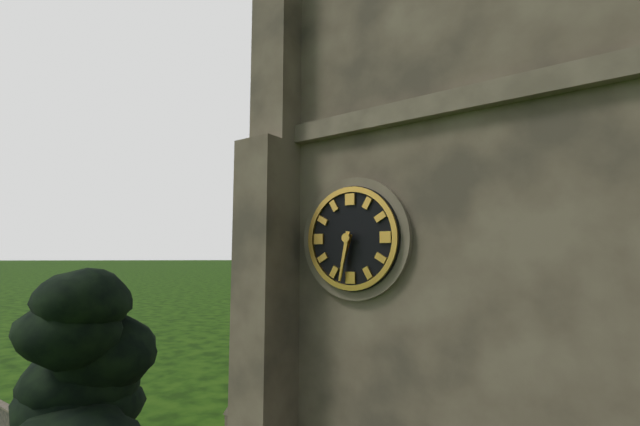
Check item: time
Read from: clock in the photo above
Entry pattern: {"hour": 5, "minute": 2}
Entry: {"hour": 6, "minute": 32}
